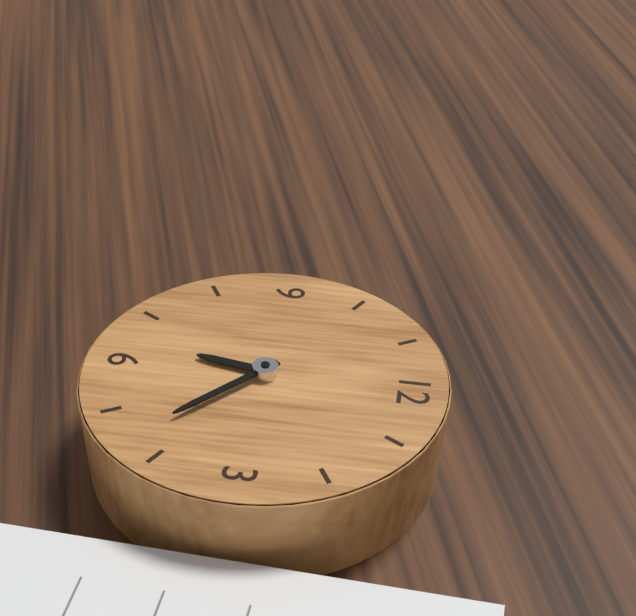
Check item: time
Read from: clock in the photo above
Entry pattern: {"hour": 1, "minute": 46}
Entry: {"hour": 6, "minute": 22}
